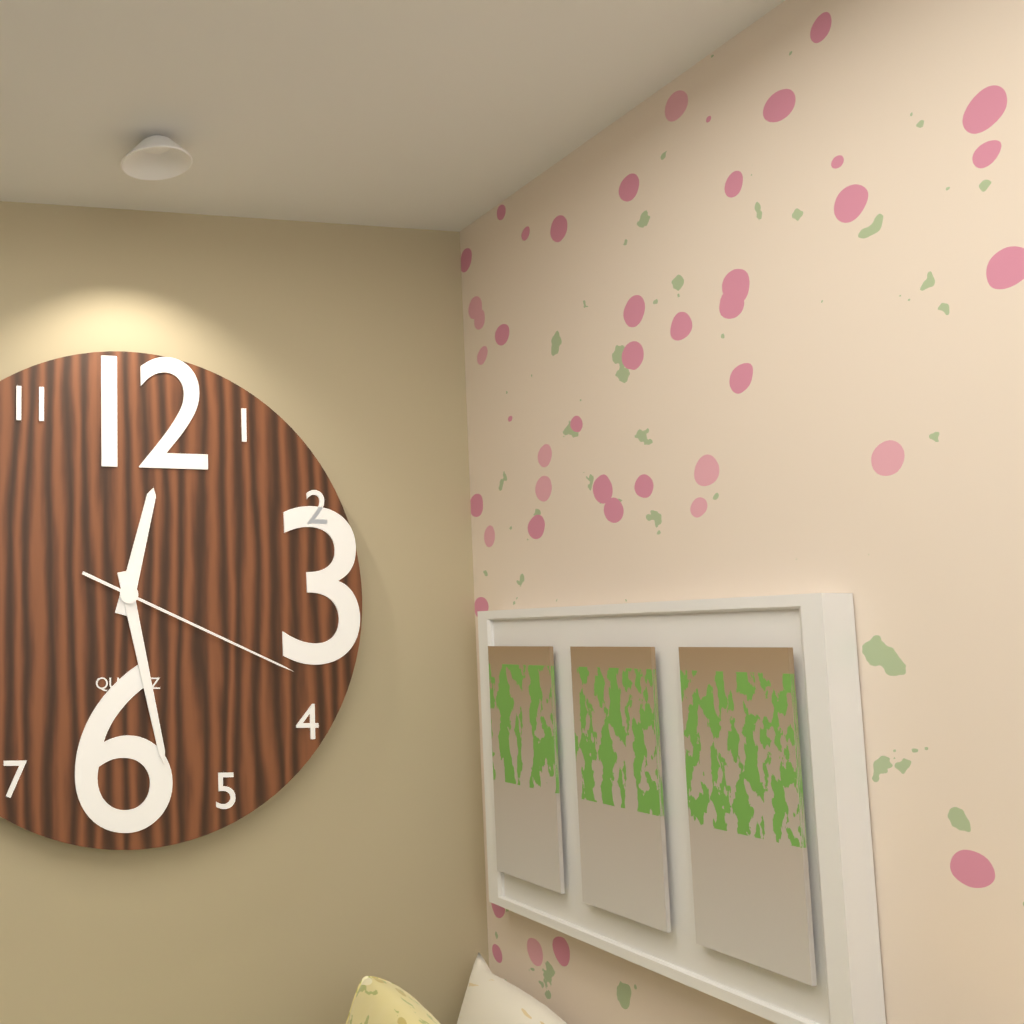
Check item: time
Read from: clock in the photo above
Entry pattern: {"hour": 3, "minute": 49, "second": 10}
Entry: {"hour": 12, "minute": 28, "second": 19}
